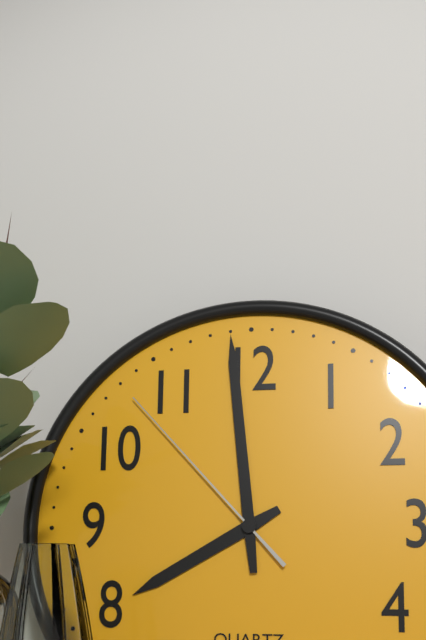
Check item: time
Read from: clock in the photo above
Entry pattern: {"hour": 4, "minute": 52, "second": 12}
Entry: {"hour": 7, "minute": 59, "second": 53}
